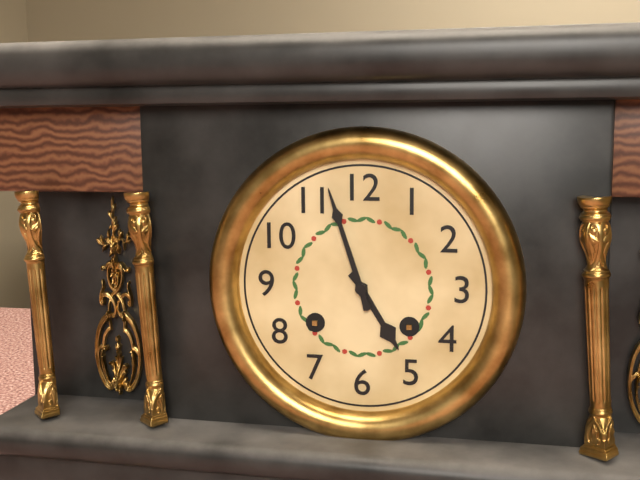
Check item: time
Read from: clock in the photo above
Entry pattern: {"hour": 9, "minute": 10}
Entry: {"hour": 4, "minute": 57}
